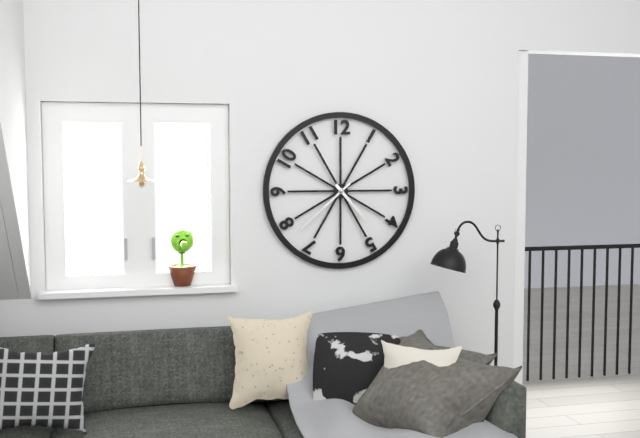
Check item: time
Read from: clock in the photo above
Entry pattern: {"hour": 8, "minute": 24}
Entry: {"hour": 4, "minute": 38}
